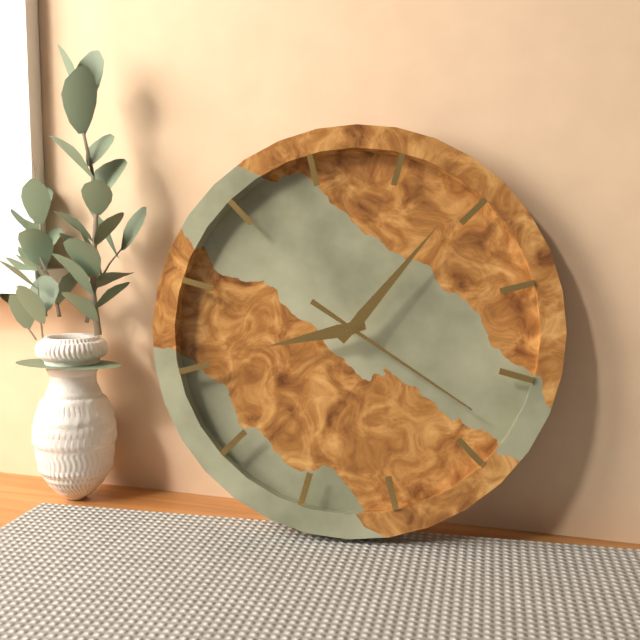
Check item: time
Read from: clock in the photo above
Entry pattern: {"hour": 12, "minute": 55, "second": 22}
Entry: {"hour": 8, "minute": 4, "second": 18}
